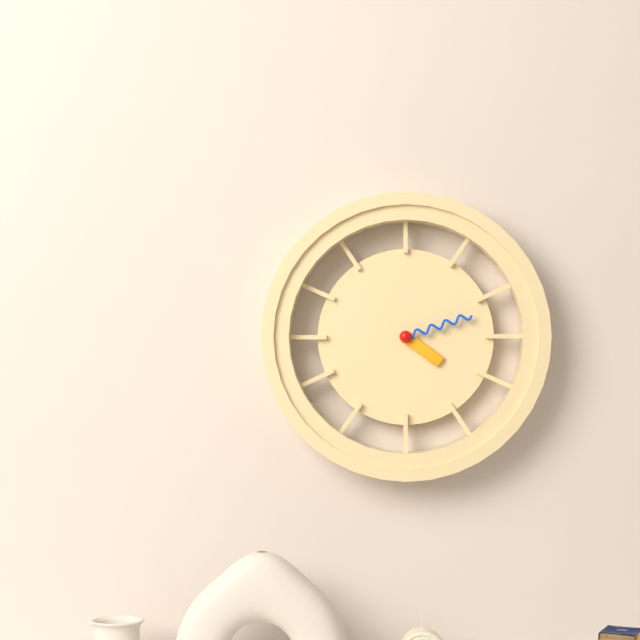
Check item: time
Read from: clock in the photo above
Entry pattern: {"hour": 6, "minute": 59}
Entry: {"hour": 4, "minute": 12}
